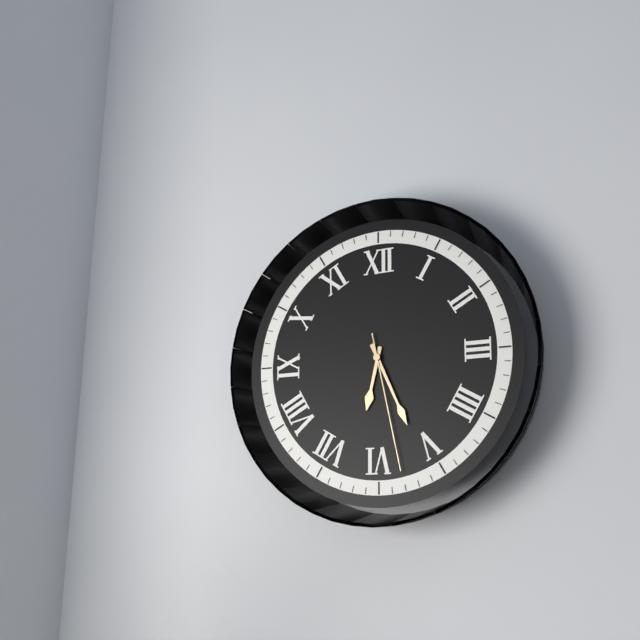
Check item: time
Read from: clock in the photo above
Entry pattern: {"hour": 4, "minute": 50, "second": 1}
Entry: {"hour": 6, "minute": 26, "second": 28}
